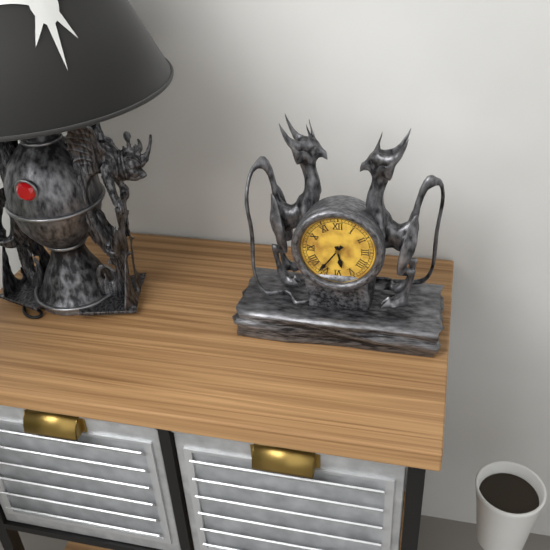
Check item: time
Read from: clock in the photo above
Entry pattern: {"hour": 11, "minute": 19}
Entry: {"hour": 5, "minute": 36}
